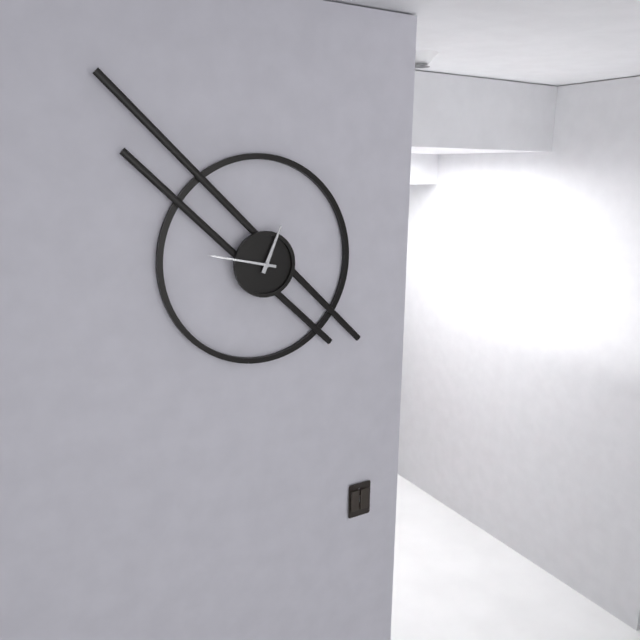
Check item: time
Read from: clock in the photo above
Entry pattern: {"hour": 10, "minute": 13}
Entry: {"hour": 12, "minute": 47}
